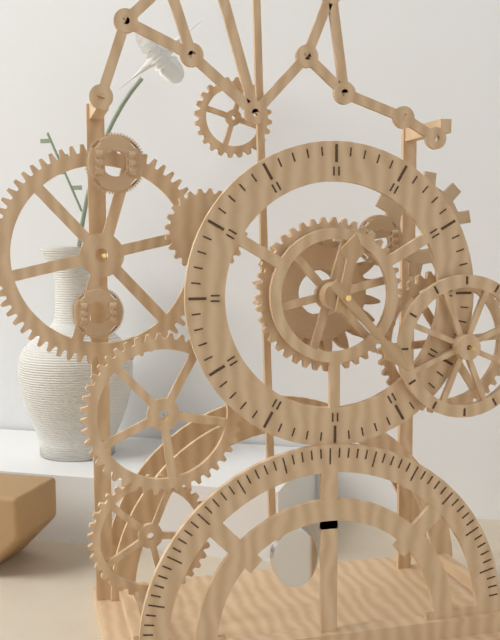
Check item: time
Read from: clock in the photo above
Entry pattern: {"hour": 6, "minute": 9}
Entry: {"hour": 12, "minute": 23}
